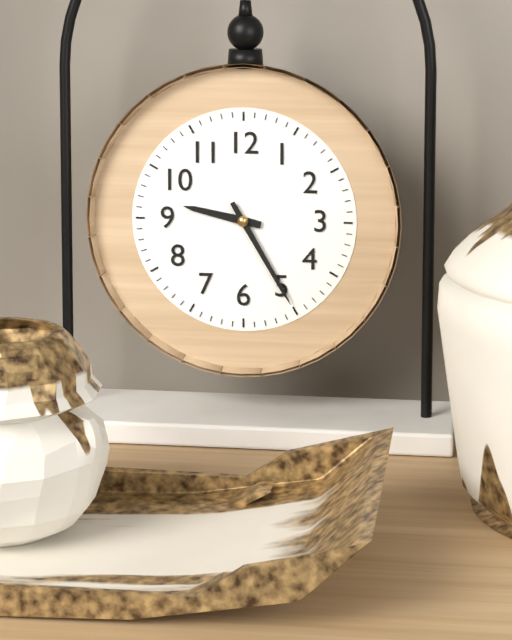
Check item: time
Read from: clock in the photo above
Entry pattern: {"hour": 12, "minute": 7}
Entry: {"hour": 9, "minute": 25}
